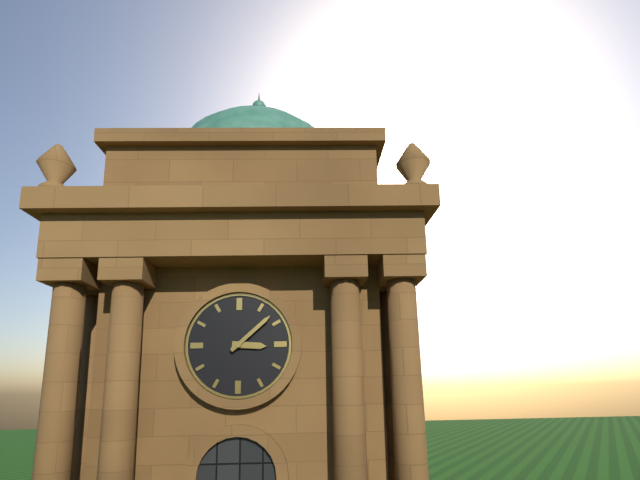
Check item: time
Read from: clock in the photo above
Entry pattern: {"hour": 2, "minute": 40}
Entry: {"hour": 3, "minute": 8}
